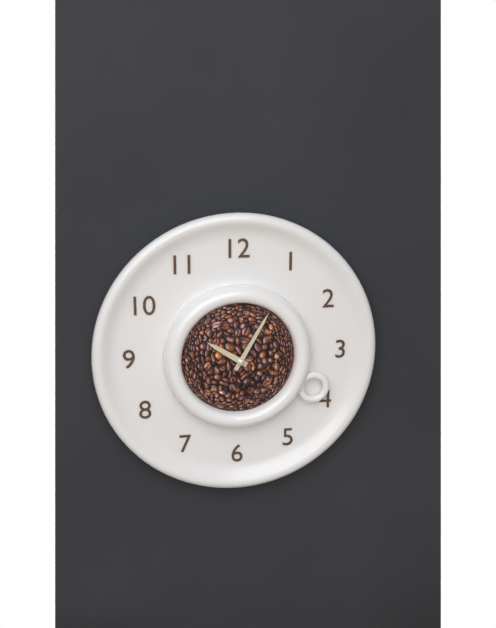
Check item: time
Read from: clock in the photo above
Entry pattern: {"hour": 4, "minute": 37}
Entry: {"hour": 10, "minute": 5}
